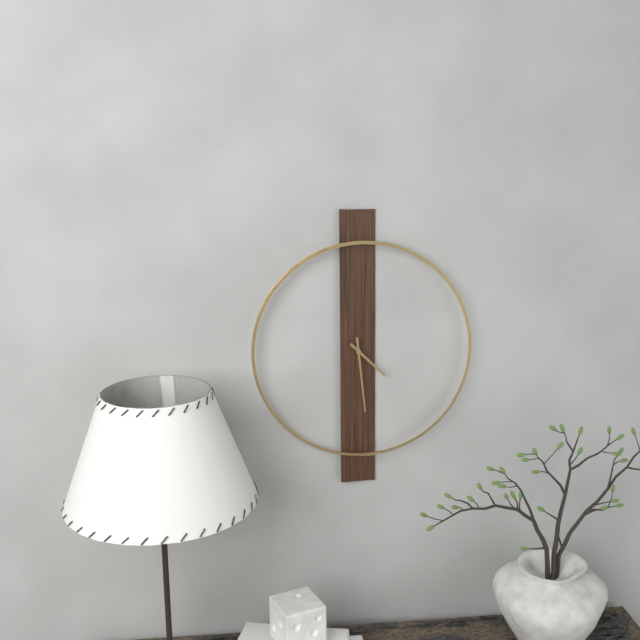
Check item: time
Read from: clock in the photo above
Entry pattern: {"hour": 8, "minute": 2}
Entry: {"hour": 4, "minute": 29}
